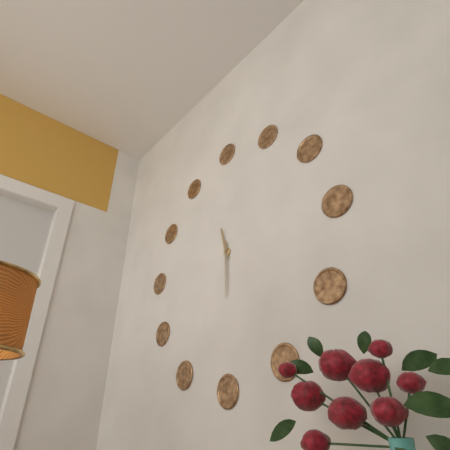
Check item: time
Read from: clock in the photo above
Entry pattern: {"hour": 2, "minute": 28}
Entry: {"hour": 11, "minute": 30}
